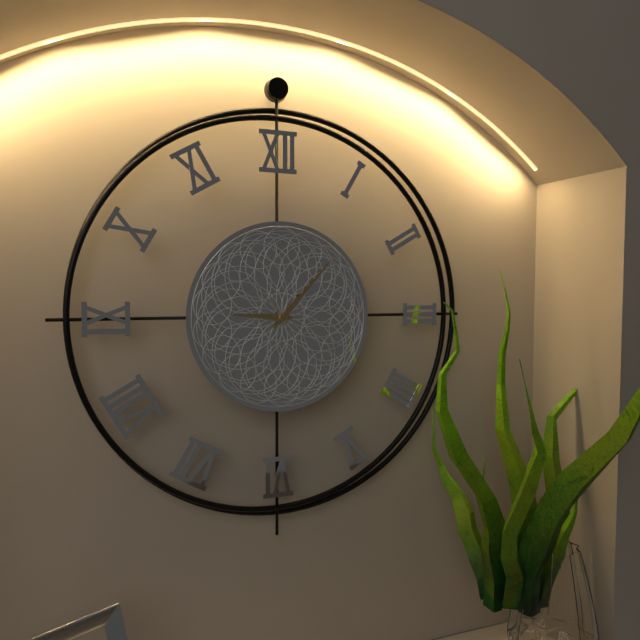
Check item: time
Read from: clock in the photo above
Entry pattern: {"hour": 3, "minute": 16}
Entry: {"hour": 9, "minute": 7}
